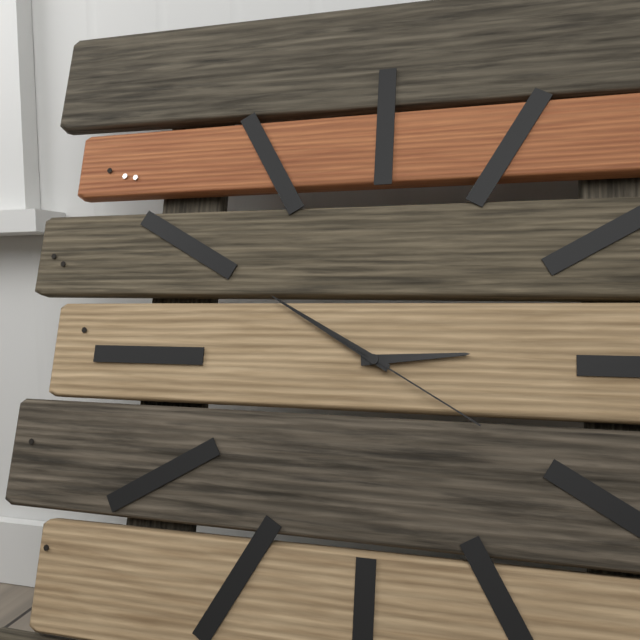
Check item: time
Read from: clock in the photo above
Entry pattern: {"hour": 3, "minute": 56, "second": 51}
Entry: {"hour": 2, "minute": 50, "second": 20}
